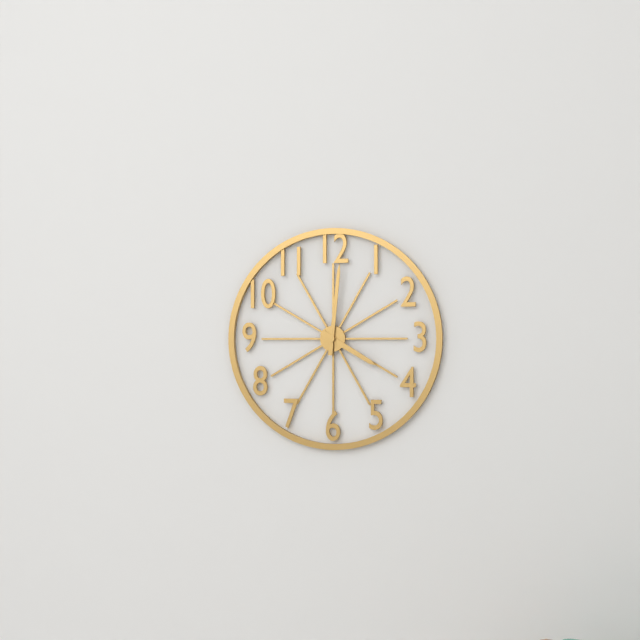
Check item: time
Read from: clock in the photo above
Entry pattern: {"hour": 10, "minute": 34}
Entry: {"hour": 4, "minute": 1}
